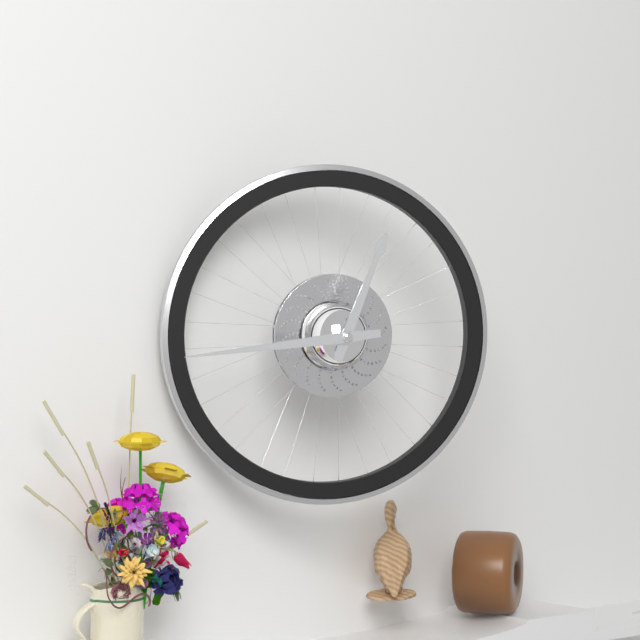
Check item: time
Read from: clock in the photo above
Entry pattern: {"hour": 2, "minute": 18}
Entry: {"hour": 12, "minute": 44}
